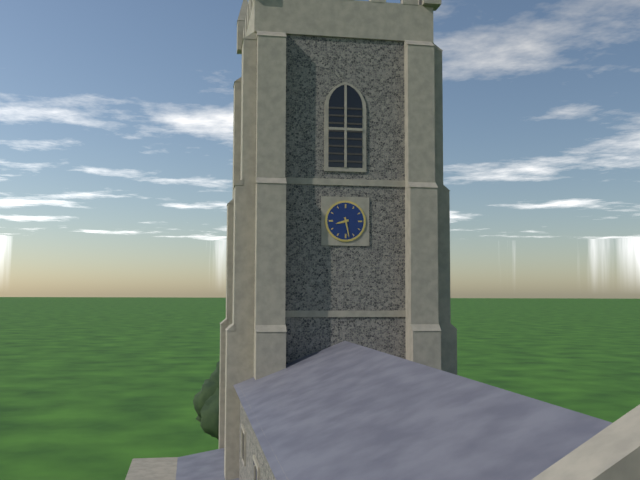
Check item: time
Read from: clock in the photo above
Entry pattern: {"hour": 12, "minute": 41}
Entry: {"hour": 8, "minute": 28}
